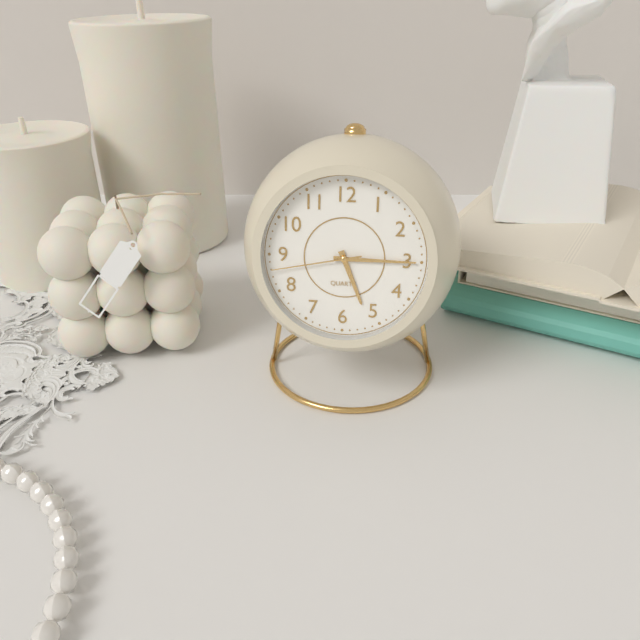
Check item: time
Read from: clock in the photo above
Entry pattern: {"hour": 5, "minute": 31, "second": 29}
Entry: {"hour": 5, "minute": 15, "second": 43}
